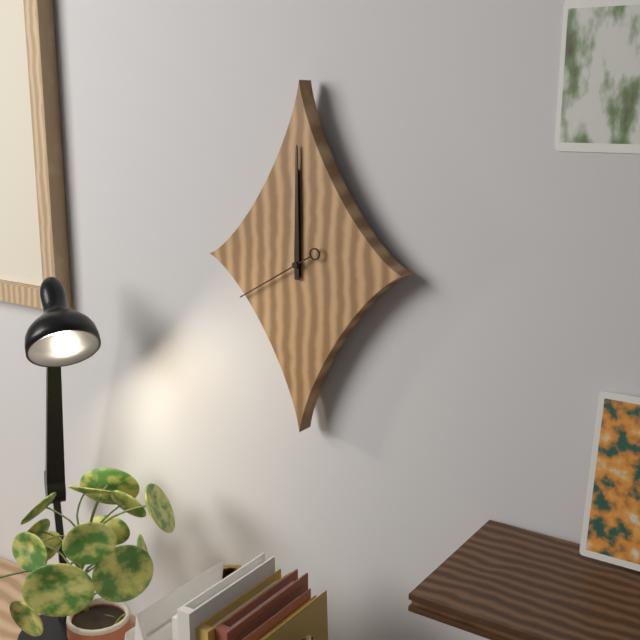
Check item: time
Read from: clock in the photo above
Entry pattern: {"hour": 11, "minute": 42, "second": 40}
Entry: {"hour": 12, "minute": 0, "second": 40}
